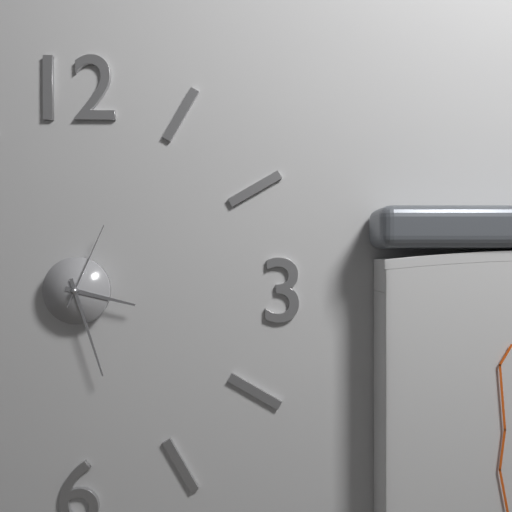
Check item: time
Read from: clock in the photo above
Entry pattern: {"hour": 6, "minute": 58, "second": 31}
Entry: {"hour": 3, "minute": 27, "second": 4}
